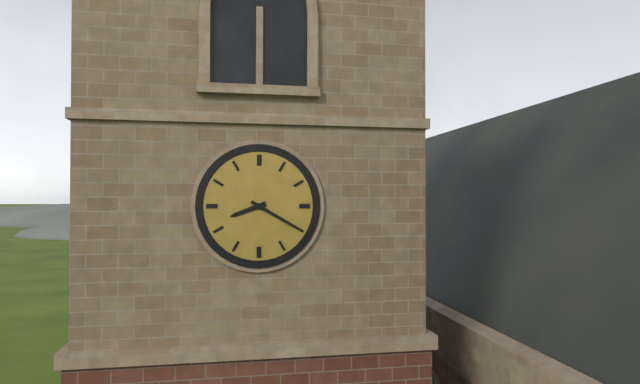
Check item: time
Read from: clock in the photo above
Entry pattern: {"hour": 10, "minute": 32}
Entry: {"hour": 8, "minute": 20}
